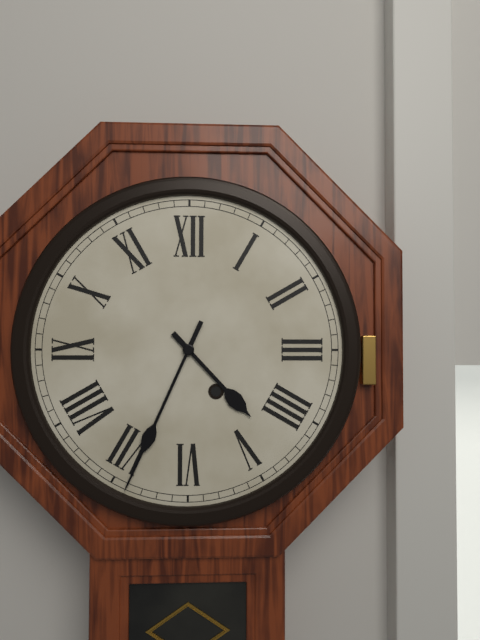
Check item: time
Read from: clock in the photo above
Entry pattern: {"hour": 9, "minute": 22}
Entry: {"hour": 4, "minute": 34}
